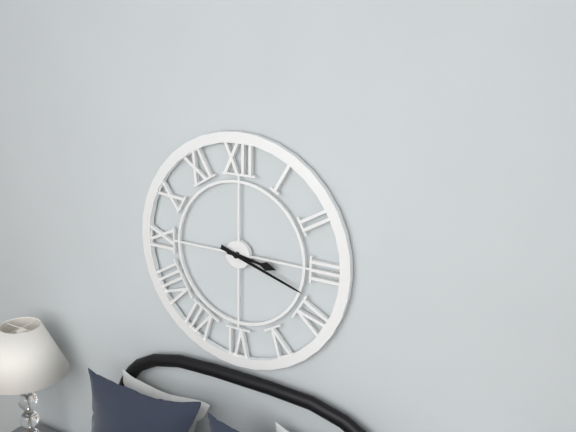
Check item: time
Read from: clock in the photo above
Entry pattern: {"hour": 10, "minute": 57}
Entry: {"hour": 3, "minute": 18}
